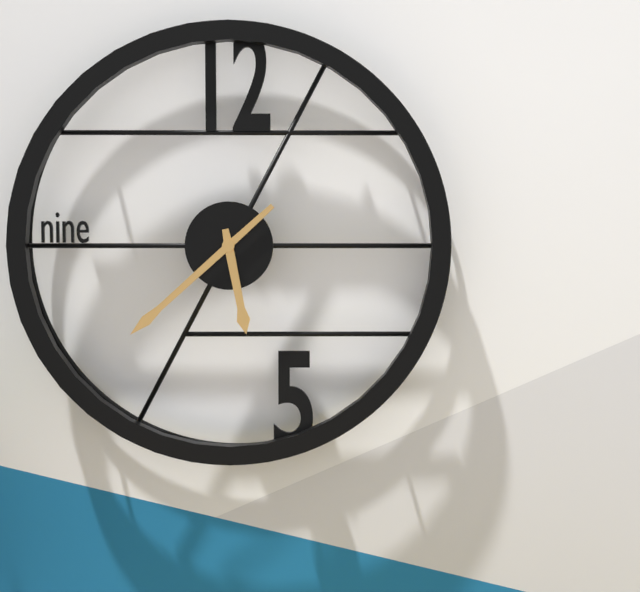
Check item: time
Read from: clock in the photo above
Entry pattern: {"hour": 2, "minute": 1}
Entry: {"hour": 5, "minute": 38}
